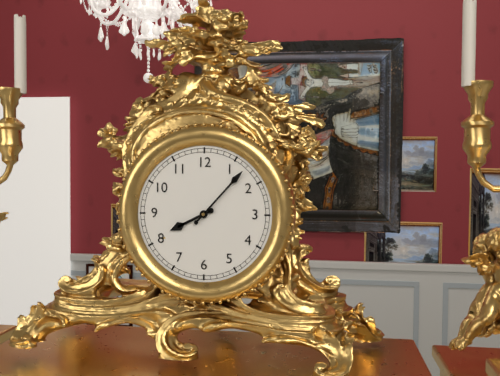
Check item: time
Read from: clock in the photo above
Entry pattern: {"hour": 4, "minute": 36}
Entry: {"hour": 8, "minute": 7}
